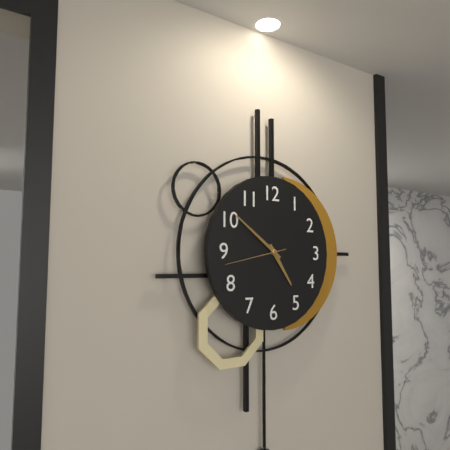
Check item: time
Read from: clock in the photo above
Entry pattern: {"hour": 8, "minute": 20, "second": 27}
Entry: {"hour": 4, "minute": 51, "second": 43}
